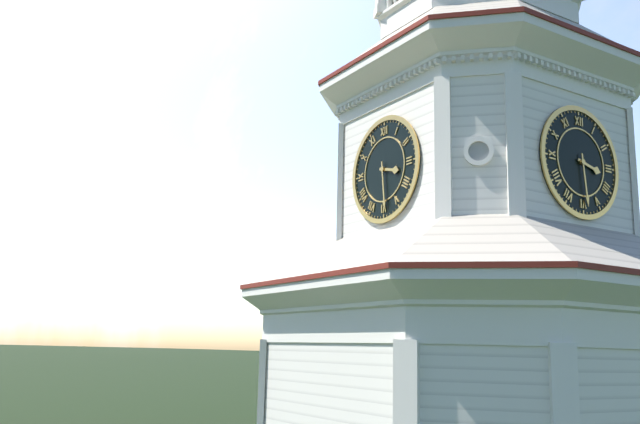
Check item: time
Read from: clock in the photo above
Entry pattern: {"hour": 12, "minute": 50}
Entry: {"hour": 3, "minute": 29}
